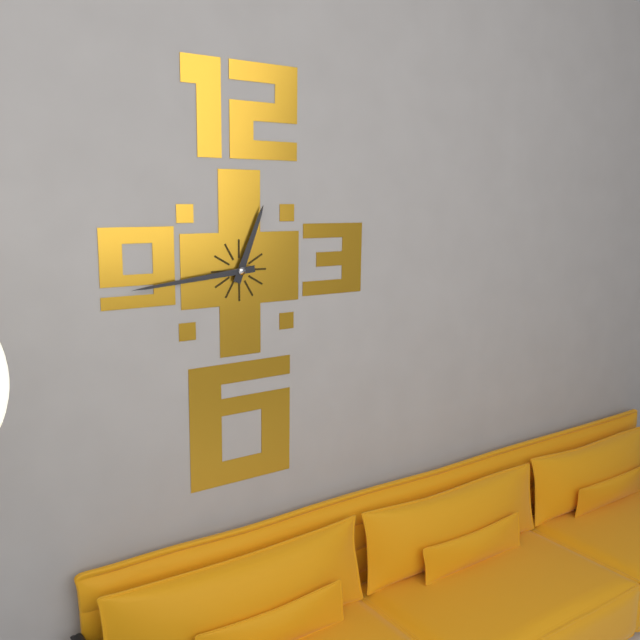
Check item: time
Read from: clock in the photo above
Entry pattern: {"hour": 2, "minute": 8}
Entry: {"hour": 12, "minute": 44}
